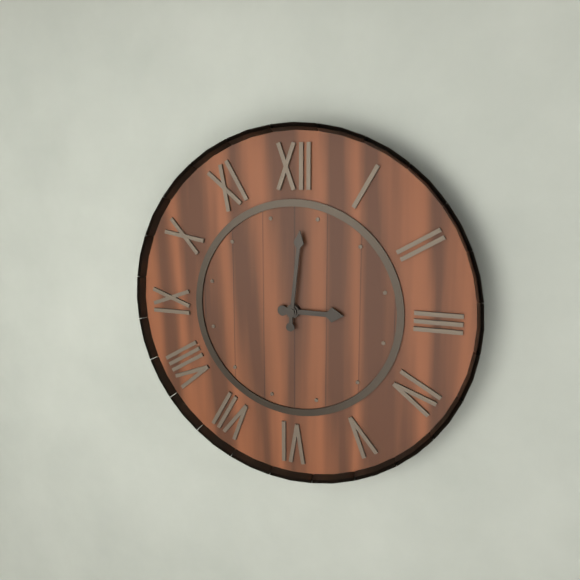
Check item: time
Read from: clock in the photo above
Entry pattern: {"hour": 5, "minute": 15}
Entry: {"hour": 3, "minute": 1}
